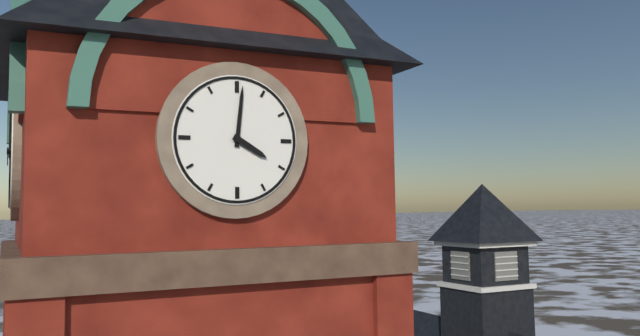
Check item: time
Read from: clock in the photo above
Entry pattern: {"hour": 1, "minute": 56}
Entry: {"hour": 4, "minute": 1}
